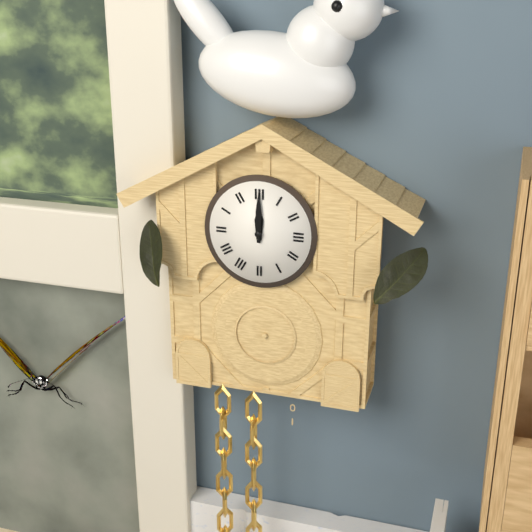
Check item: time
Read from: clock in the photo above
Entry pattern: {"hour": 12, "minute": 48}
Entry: {"hour": 12, "minute": 0}
